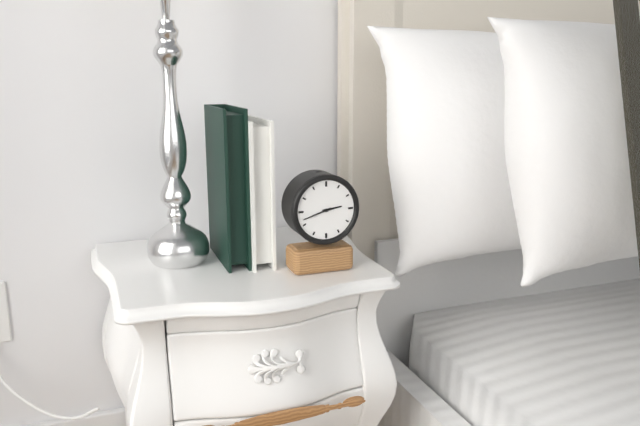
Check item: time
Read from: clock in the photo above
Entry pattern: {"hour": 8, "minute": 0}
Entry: {"hour": 2, "minute": 42}
